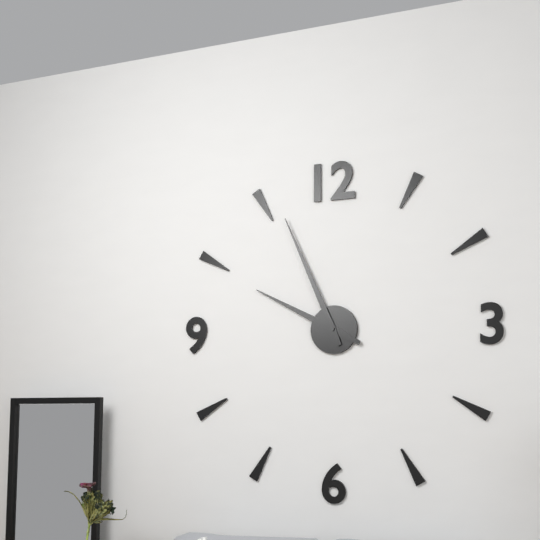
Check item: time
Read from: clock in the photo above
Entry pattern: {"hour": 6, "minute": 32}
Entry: {"hour": 9, "minute": 56}
